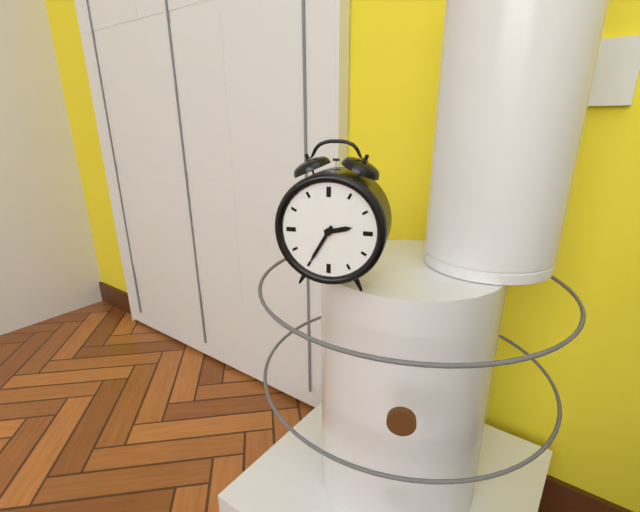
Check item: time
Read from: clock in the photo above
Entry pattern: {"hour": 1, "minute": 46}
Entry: {"hour": 2, "minute": 35}
